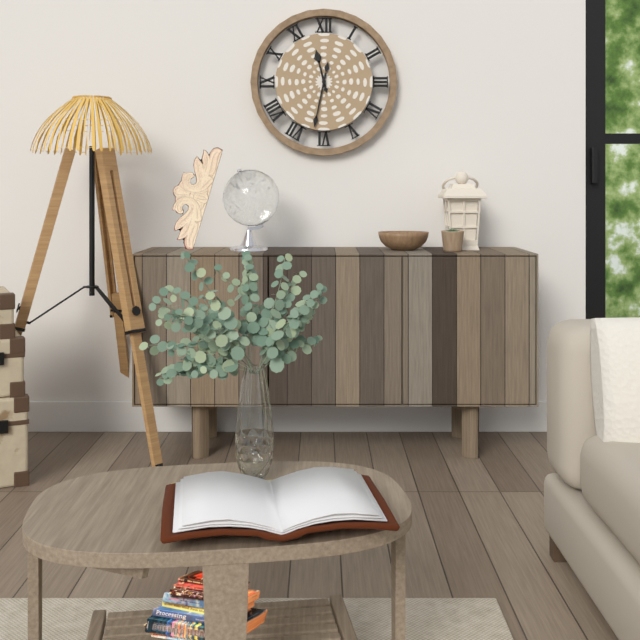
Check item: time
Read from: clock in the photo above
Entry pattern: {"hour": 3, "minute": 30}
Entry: {"hour": 11, "minute": 32}
